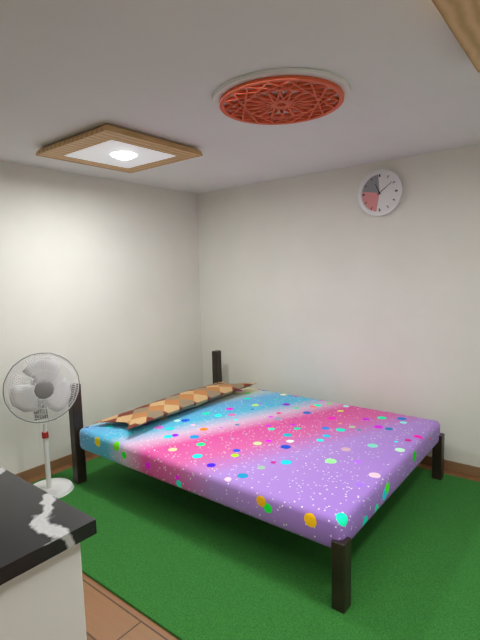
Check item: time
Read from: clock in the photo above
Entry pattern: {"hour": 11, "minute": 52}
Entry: {"hour": 11, "minute": 9}
